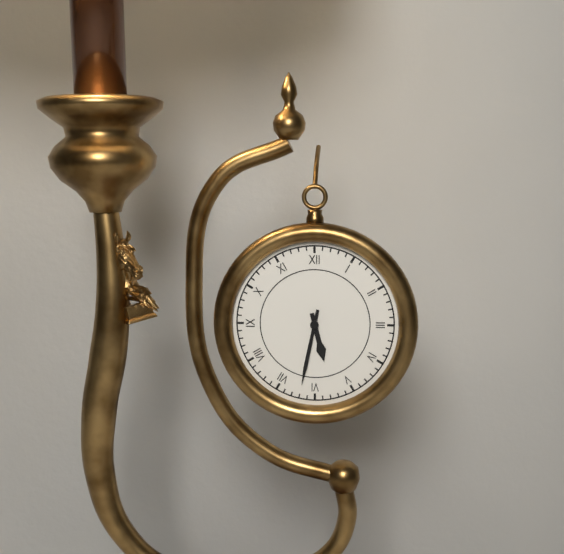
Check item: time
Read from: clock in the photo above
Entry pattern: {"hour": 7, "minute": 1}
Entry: {"hour": 5, "minute": 32}
